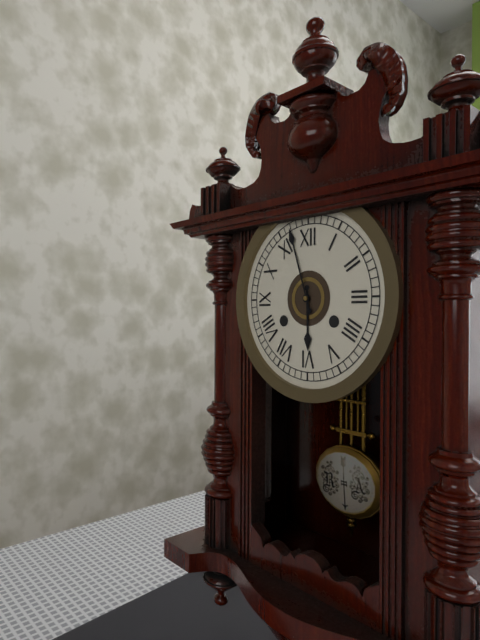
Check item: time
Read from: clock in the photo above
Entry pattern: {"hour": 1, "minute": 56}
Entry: {"hour": 5, "minute": 57}
